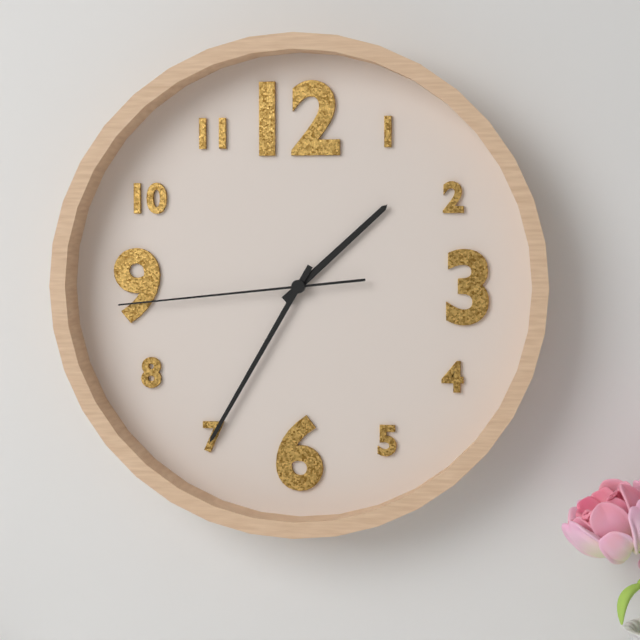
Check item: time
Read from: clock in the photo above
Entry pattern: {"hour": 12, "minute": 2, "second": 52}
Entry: {"hour": 1, "minute": 35, "second": 44}
